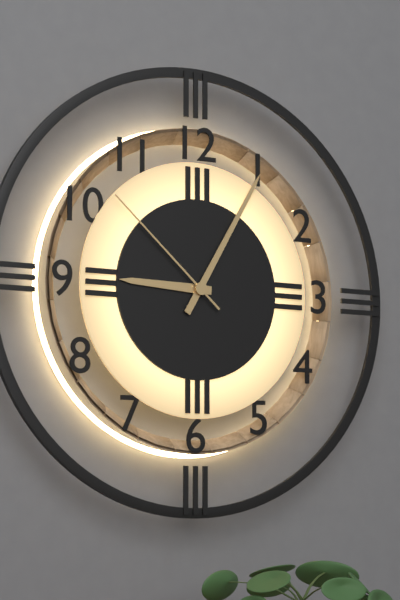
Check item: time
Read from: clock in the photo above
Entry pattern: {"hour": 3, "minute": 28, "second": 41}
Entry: {"hour": 9, "minute": 5, "second": 52}
